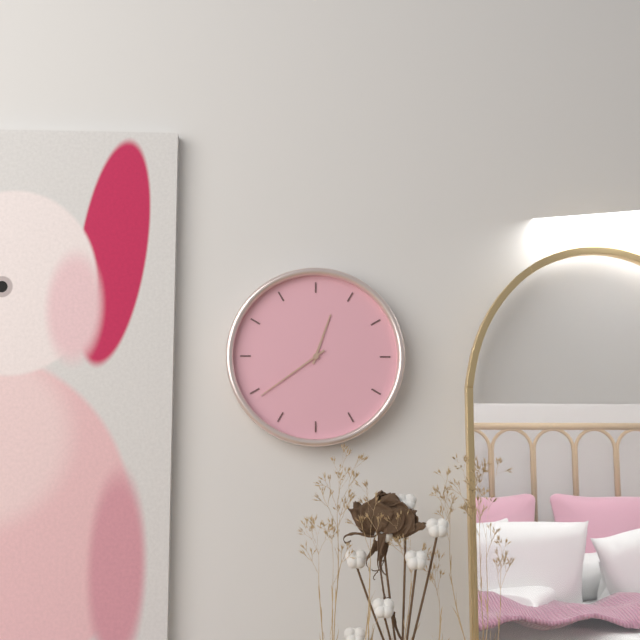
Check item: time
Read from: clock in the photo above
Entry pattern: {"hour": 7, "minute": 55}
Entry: {"hour": 12, "minute": 39}
